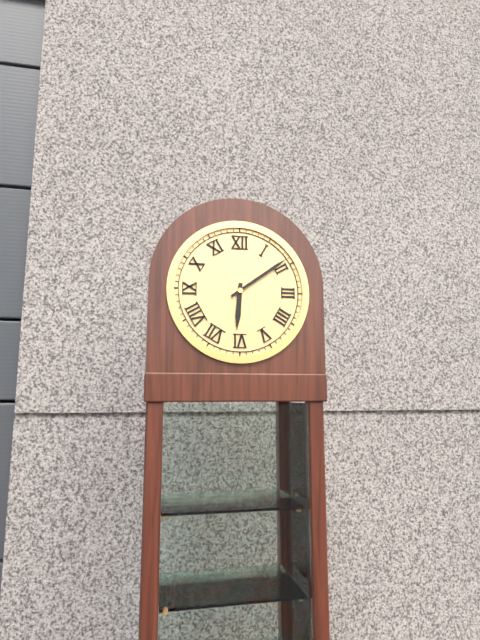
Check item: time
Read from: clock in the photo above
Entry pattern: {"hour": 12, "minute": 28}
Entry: {"hour": 6, "minute": 9}
